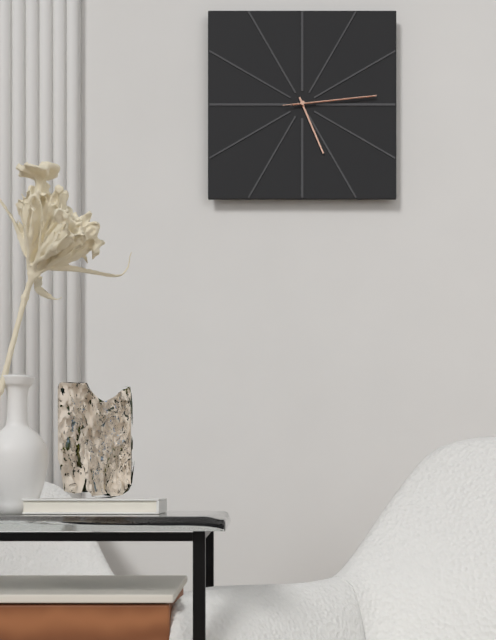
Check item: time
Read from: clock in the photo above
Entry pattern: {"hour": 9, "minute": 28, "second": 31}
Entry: {"hour": 5, "minute": 14, "second": 14}
